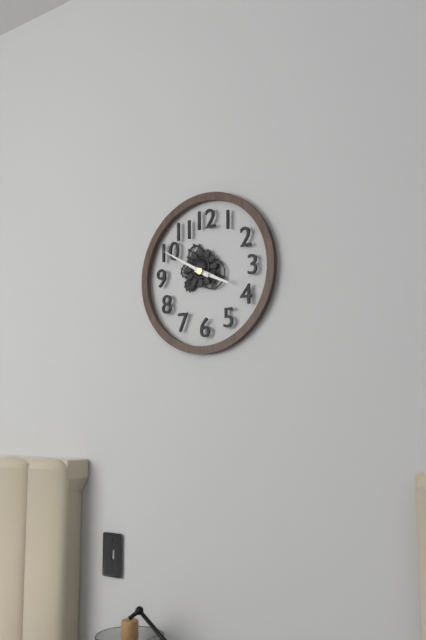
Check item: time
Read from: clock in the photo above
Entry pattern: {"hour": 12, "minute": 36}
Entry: {"hour": 3, "minute": 50}
